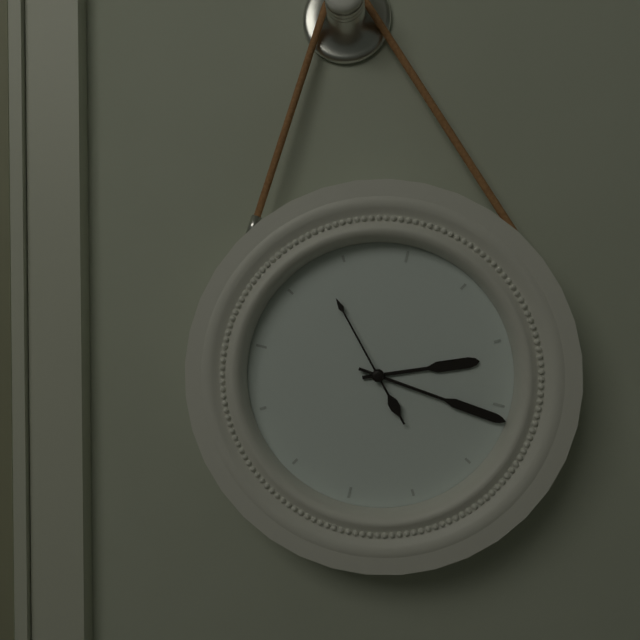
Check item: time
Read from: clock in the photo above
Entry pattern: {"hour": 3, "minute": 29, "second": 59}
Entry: {"hour": 2, "minute": 16, "second": 53}
